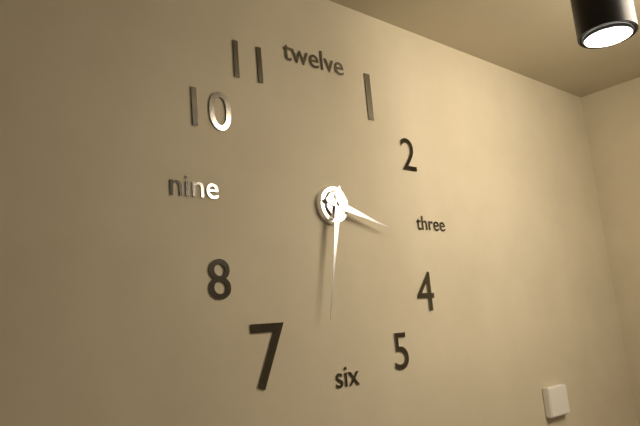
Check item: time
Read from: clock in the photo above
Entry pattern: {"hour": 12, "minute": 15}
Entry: {"hour": 3, "minute": 32}
